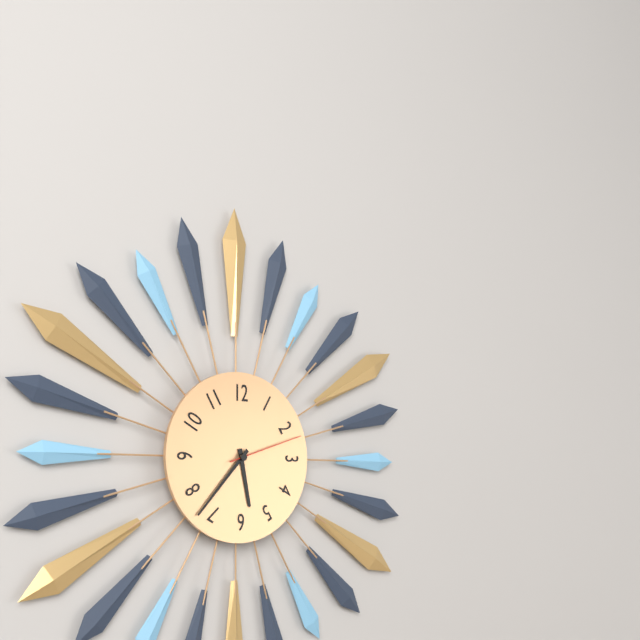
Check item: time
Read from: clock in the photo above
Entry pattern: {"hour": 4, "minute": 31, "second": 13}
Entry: {"hour": 5, "minute": 37, "second": 12}
